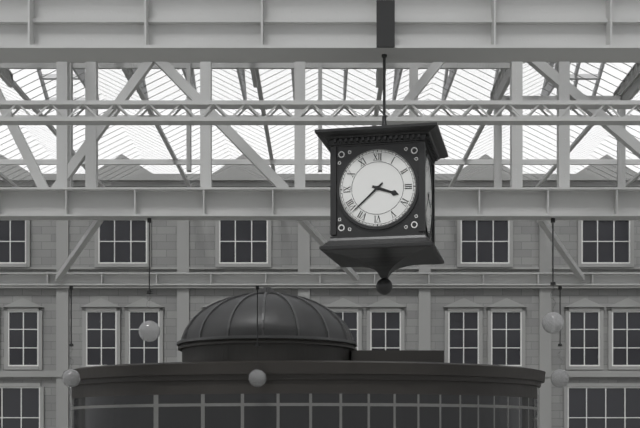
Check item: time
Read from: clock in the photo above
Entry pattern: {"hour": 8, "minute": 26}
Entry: {"hour": 3, "minute": 38}
